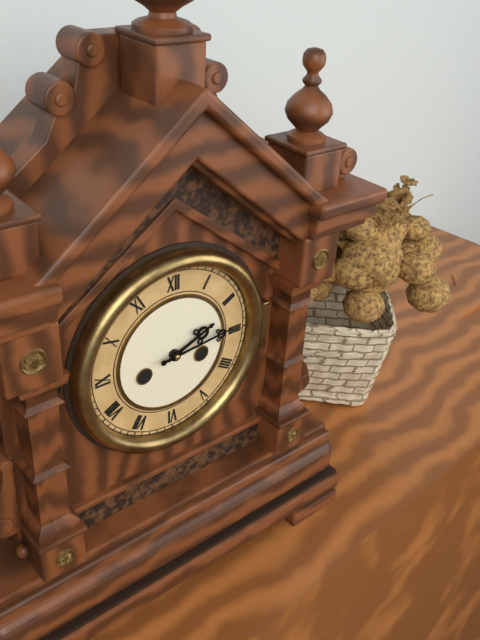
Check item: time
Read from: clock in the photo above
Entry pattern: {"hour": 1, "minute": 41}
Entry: {"hour": 2, "minute": 14}
